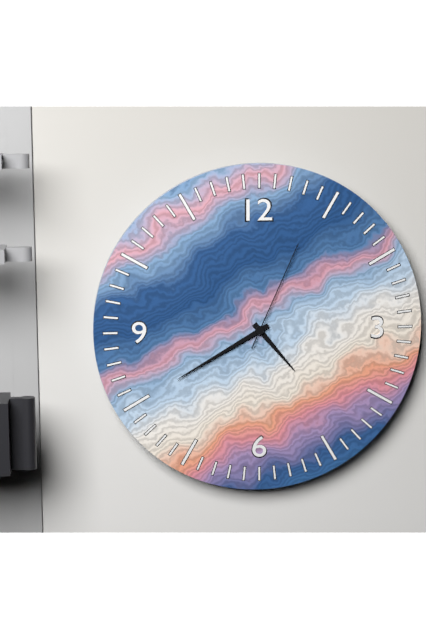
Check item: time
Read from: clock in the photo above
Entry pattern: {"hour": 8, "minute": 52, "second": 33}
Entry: {"hour": 4, "minute": 40, "second": 4}
